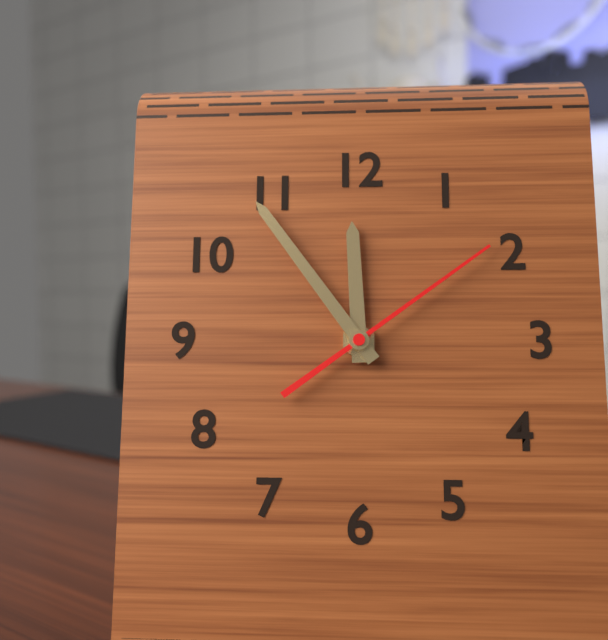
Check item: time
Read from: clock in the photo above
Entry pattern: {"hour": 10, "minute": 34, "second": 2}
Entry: {"hour": 11, "minute": 54, "second": 9}
